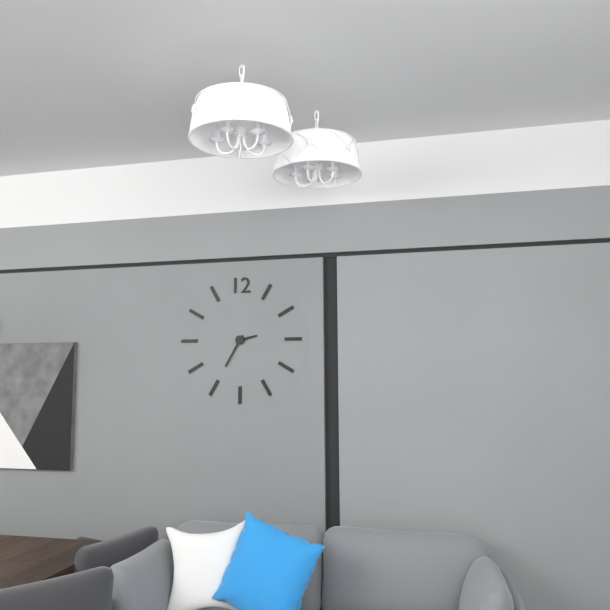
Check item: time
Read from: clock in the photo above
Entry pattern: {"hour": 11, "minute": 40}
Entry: {"hour": 2, "minute": 35}
